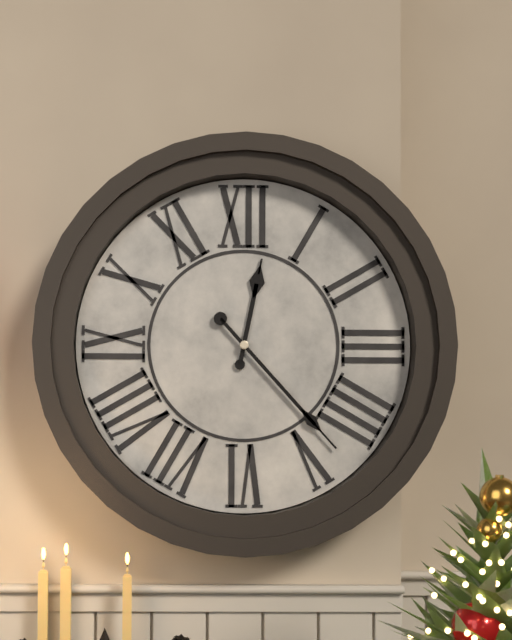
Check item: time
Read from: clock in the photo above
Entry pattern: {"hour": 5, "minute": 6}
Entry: {"hour": 12, "minute": 23}
